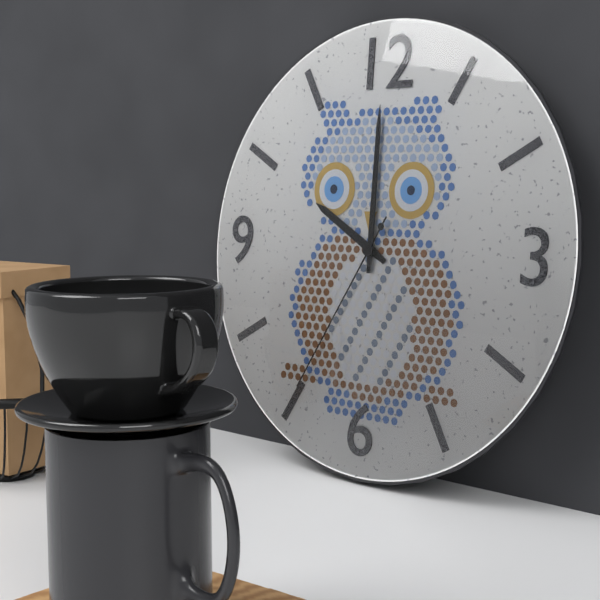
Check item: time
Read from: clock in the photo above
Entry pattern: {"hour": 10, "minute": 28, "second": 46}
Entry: {"hour": 10, "minute": 0, "second": 35}
